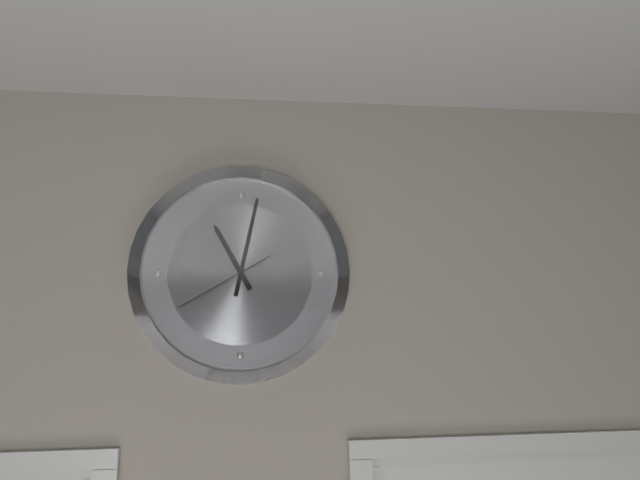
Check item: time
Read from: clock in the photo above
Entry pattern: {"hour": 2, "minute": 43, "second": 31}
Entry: {"hour": 11, "minute": 2, "second": 40}
